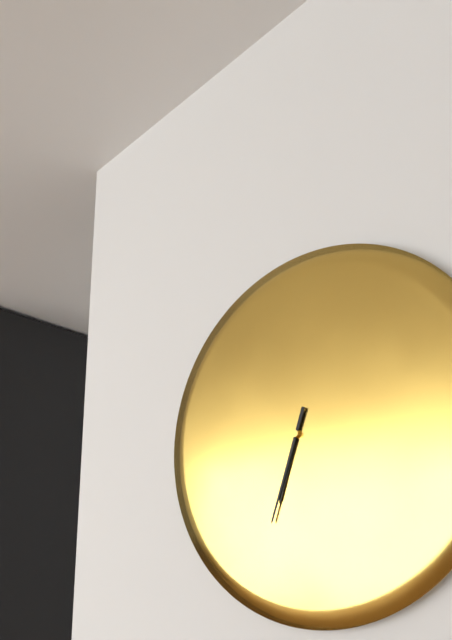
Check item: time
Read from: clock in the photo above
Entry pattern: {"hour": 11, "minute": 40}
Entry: {"hour": 6, "minute": 33}
